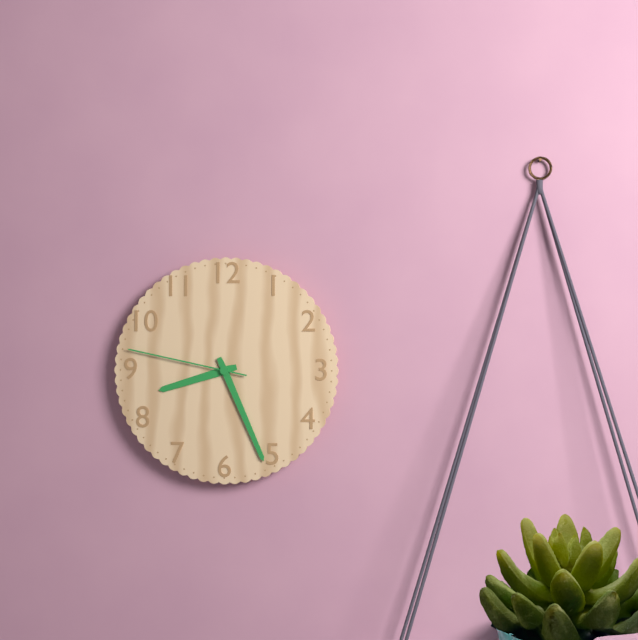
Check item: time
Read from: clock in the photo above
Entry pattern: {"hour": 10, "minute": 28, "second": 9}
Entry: {"hour": 8, "minute": 26, "second": 47}
